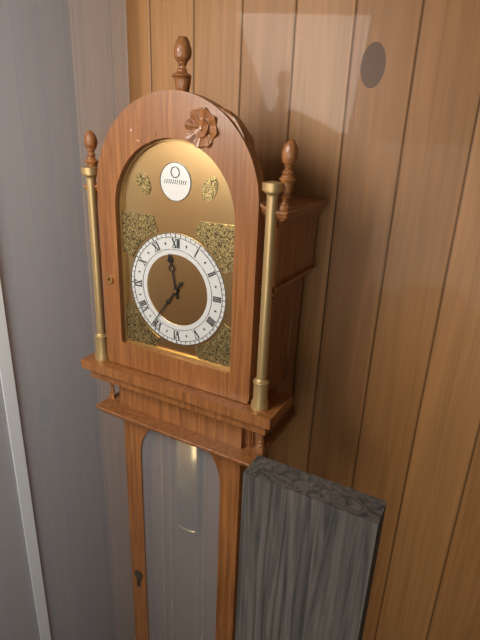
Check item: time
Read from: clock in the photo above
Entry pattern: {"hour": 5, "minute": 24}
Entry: {"hour": 11, "minute": 36}
